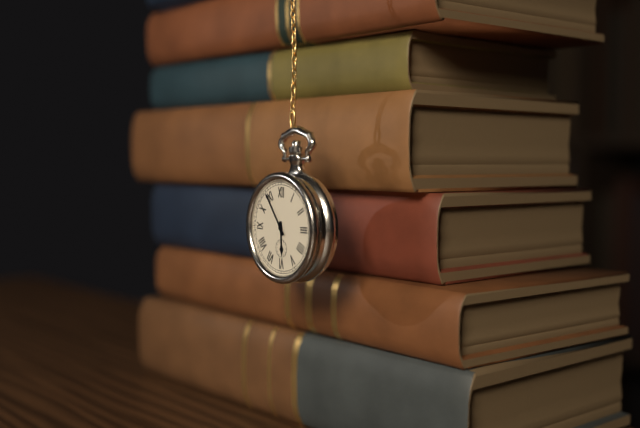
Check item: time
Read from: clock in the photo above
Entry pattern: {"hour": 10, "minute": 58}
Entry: {"hour": 5, "minute": 54}
